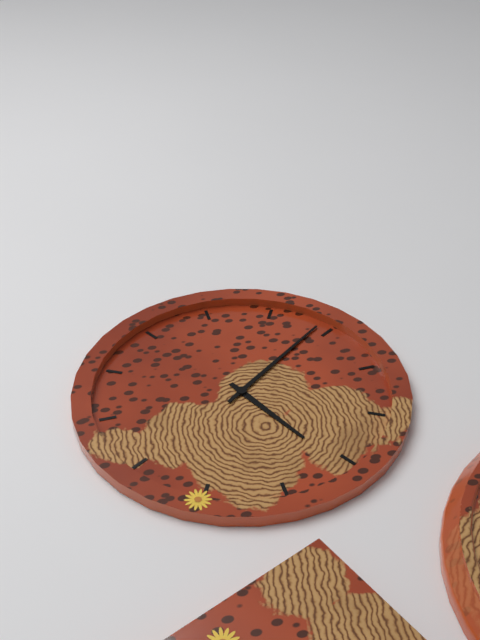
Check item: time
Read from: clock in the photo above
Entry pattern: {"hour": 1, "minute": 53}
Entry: {"hour": 5, "minute": 9}
